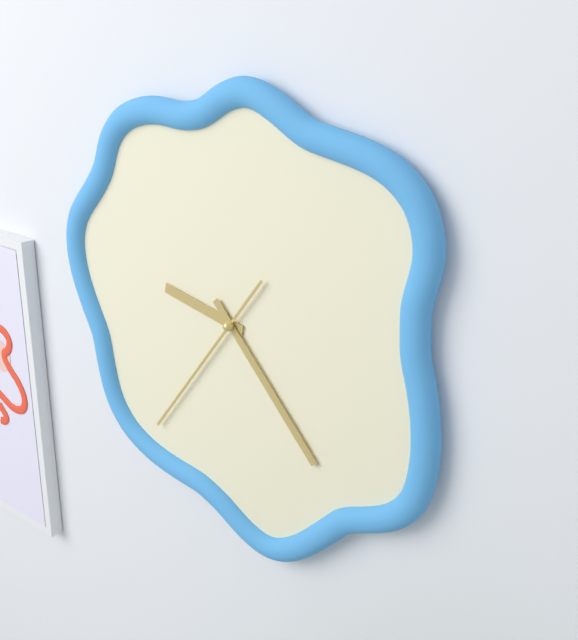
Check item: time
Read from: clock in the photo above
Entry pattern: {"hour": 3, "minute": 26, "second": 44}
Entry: {"hour": 9, "minute": 23, "second": 36}
